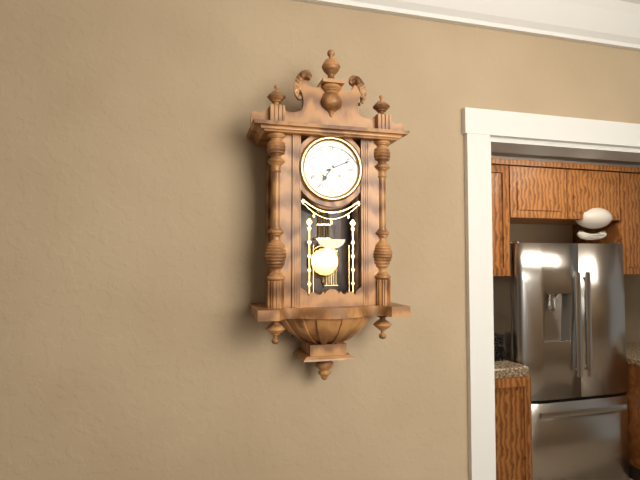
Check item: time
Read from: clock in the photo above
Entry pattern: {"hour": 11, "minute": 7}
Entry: {"hour": 7, "minute": 11}
